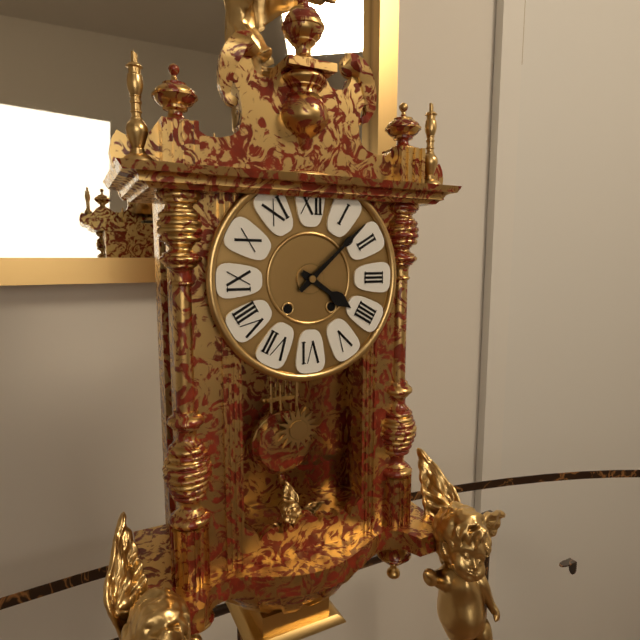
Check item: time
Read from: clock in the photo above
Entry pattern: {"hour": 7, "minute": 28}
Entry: {"hour": 4, "minute": 8}
